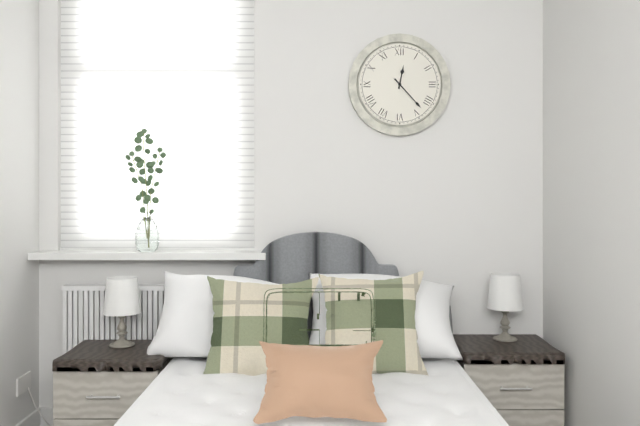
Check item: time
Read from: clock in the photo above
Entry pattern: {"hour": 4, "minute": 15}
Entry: {"hour": 12, "minute": 23}
